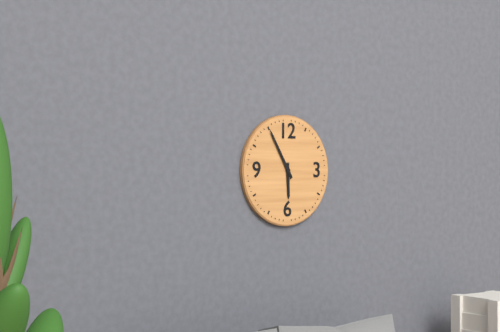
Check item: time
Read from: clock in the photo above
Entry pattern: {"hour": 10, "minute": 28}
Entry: {"hour": 5, "minute": 55}
